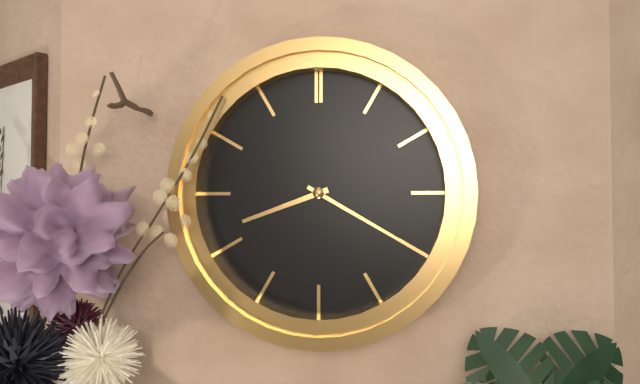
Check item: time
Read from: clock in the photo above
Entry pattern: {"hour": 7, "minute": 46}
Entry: {"hour": 8, "minute": 20}
